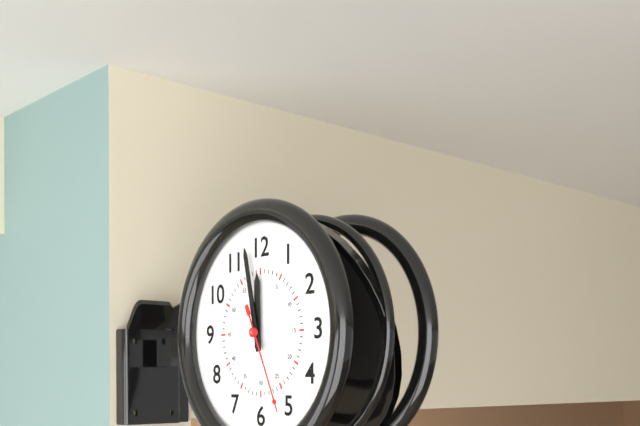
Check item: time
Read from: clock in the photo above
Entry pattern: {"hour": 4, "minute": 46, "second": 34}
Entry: {"hour": 11, "minute": 58, "second": 26}
